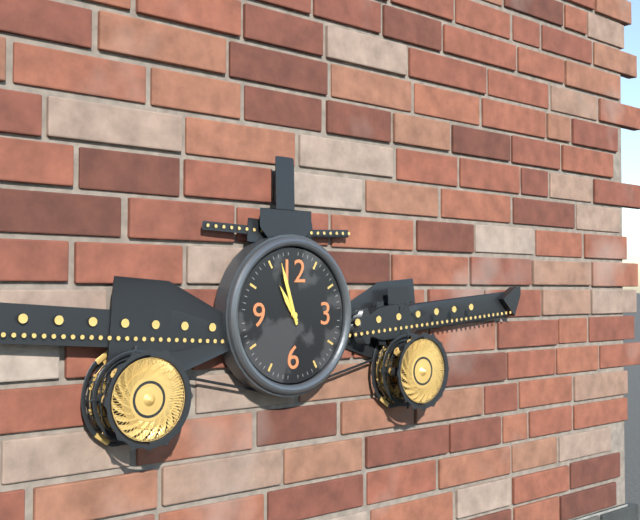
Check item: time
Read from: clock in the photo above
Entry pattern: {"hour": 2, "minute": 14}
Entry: {"hour": 10, "minute": 57}
